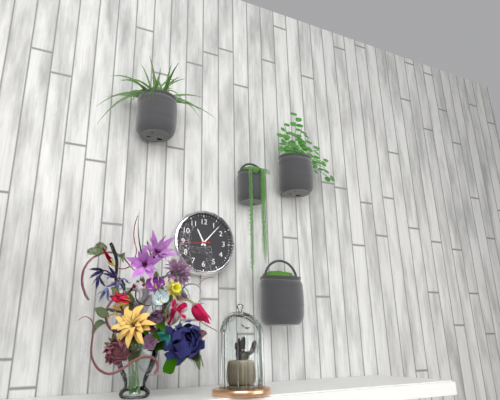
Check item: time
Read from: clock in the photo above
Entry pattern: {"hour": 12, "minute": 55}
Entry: {"hour": 11, "minute": 7}
